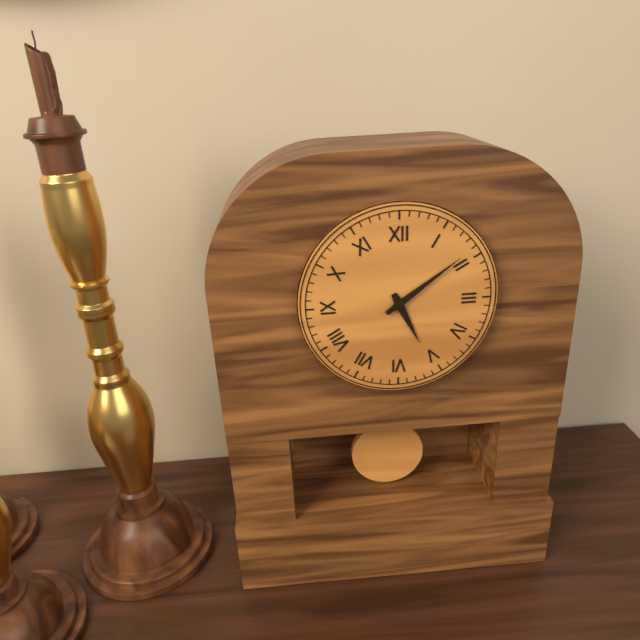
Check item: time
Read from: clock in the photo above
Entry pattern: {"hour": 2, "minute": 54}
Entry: {"hour": 5, "minute": 9}
